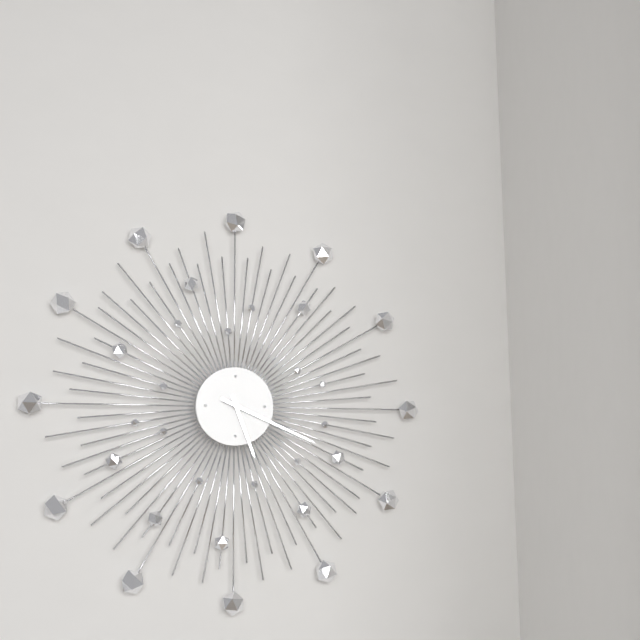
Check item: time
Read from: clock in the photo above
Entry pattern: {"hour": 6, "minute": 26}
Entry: {"hour": 5, "minute": 19}
